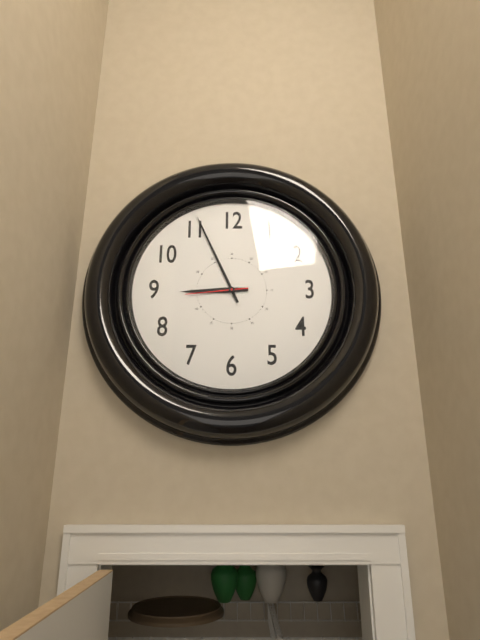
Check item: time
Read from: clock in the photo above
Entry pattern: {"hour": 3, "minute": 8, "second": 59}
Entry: {"hour": 8, "minute": 56, "second": 44}
